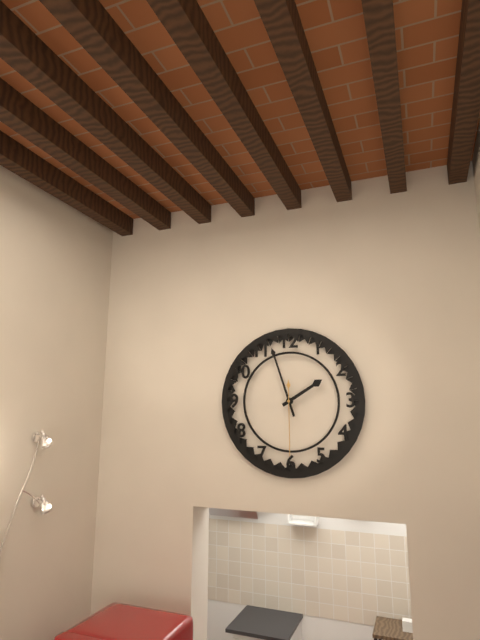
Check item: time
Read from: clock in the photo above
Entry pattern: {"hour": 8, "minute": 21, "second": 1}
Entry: {"hour": 1, "minute": 57, "second": 30}
